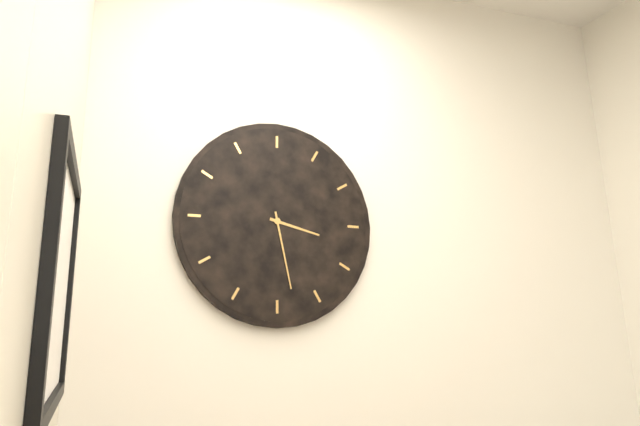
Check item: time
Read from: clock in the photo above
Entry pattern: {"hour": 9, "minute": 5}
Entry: {"hour": 3, "minute": 28}
